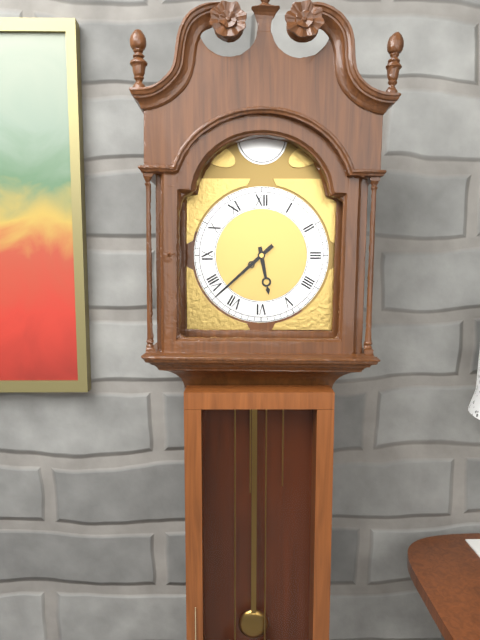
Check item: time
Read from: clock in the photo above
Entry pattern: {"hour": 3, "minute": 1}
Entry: {"hour": 5, "minute": 38}
